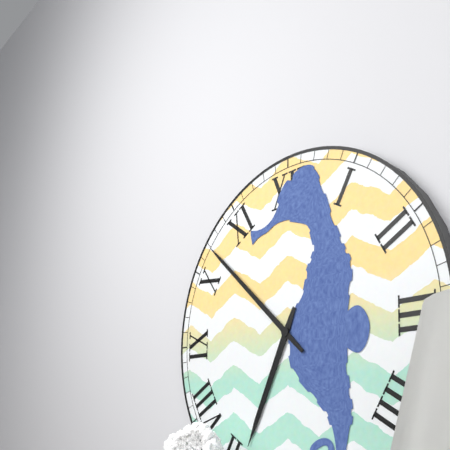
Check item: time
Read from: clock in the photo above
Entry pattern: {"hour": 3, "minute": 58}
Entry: {"hour": 6, "minute": 52}
